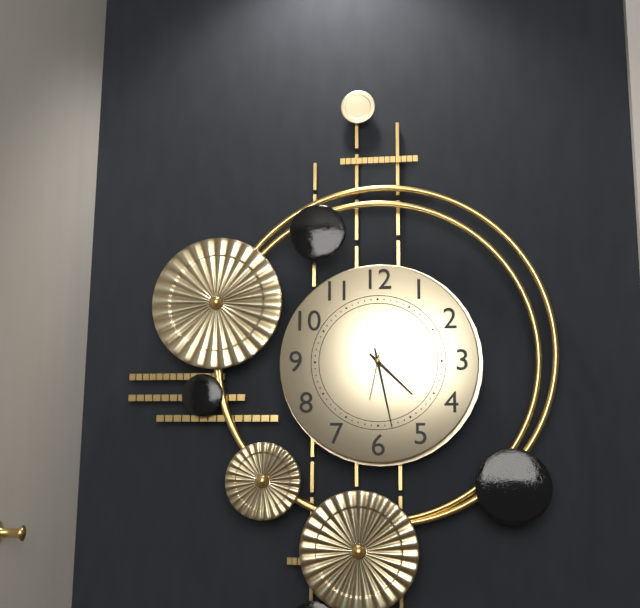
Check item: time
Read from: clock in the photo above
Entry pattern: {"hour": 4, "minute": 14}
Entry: {"hour": 4, "minute": 28}
